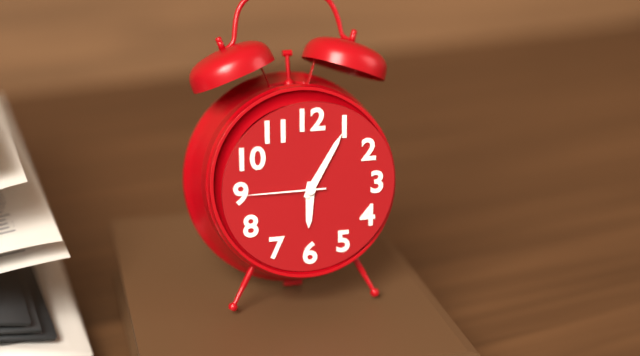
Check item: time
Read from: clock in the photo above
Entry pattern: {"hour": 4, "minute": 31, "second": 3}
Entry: {"hour": 6, "minute": 5, "second": 45}
